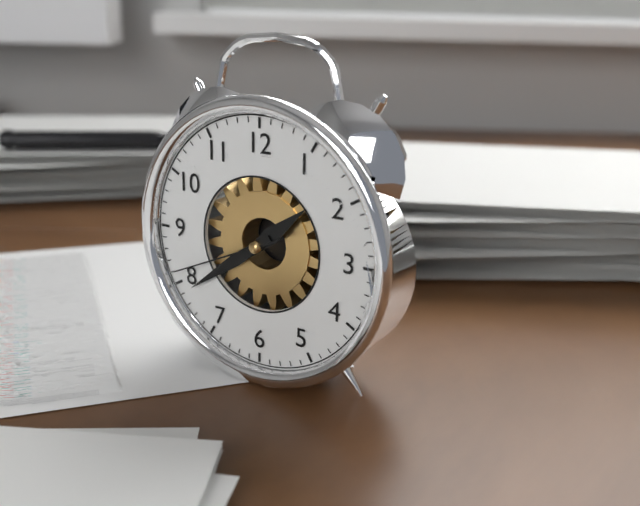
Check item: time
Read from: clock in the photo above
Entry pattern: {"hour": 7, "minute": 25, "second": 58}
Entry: {"hour": 1, "minute": 39, "second": 41}
